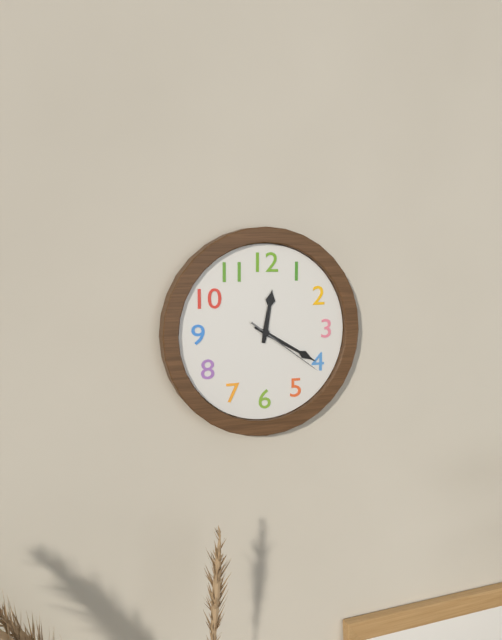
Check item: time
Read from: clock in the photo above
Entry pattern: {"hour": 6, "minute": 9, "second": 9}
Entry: {"hour": 12, "minute": 20, "second": 21}
